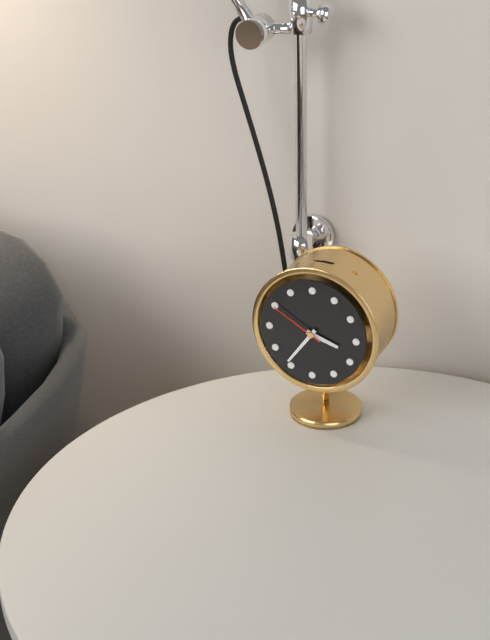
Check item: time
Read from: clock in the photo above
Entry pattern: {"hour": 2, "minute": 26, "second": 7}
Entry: {"hour": 3, "minute": 36, "second": 50}
